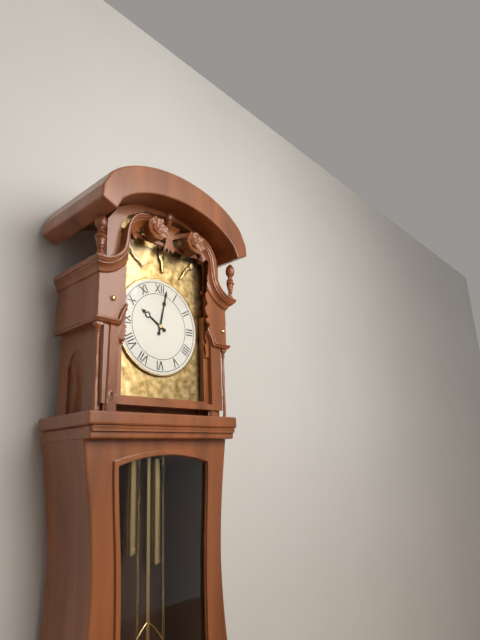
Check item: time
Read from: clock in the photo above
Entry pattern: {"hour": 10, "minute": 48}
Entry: {"hour": 10, "minute": 2}
